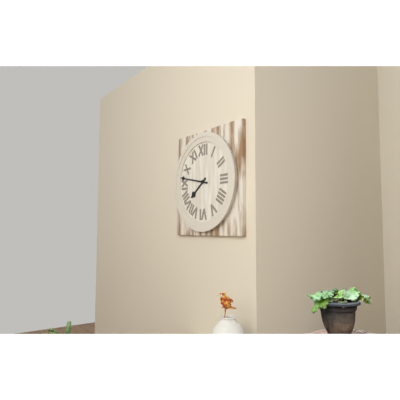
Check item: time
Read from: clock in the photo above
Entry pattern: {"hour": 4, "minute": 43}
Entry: {"hour": 7, "minute": 47}
